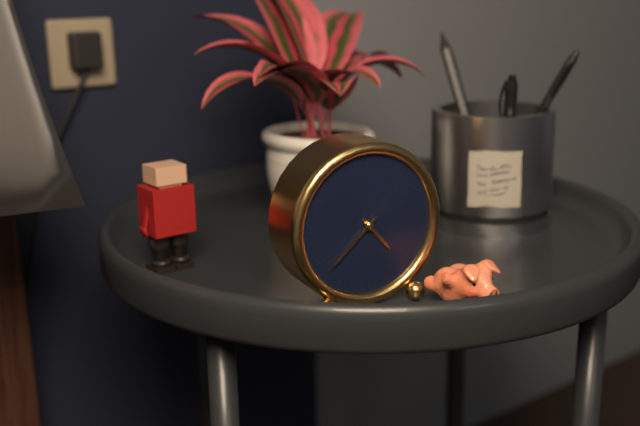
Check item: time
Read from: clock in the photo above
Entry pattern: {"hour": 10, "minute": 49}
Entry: {"hour": 4, "minute": 38}
